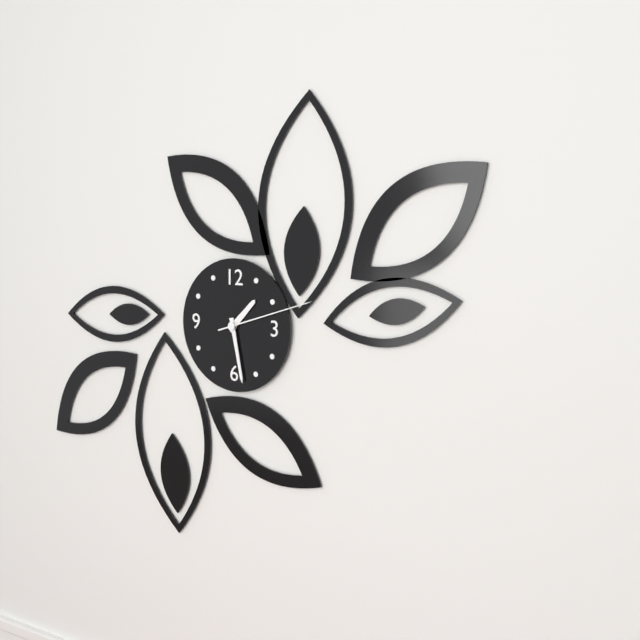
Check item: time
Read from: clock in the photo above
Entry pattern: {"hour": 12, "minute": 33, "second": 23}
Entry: {"hour": 1, "minute": 28, "second": 12}
